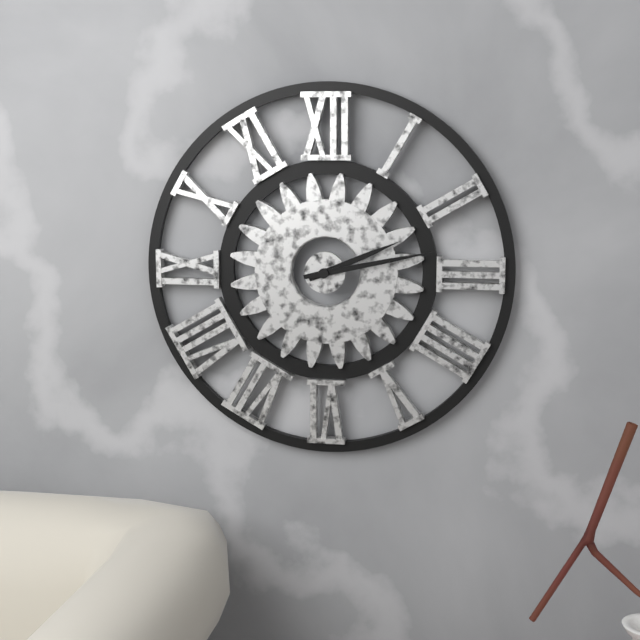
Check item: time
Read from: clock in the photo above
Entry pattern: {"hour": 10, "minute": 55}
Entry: {"hour": 2, "minute": 13}
